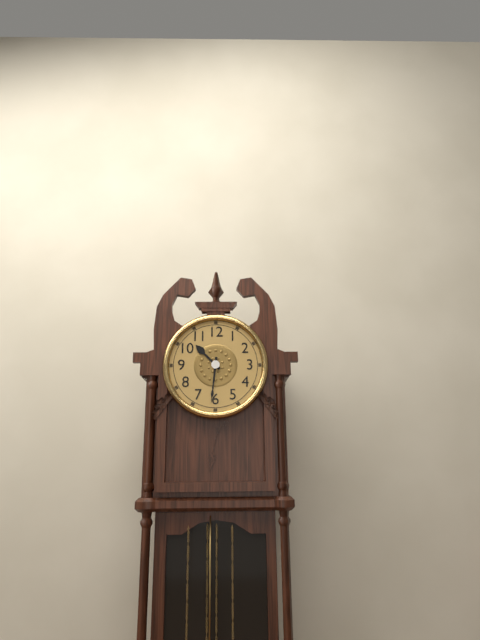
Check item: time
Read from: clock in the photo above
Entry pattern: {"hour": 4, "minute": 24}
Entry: {"hour": 10, "minute": 31}
